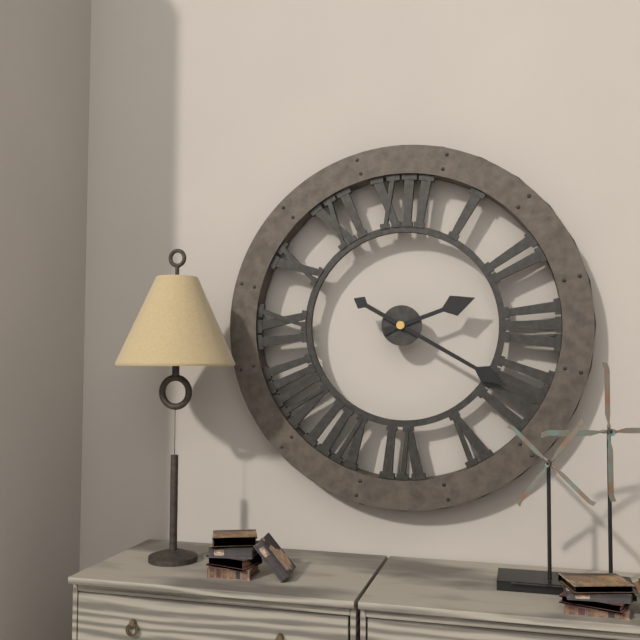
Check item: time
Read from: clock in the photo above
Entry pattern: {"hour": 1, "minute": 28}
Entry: {"hour": 2, "minute": 20}
